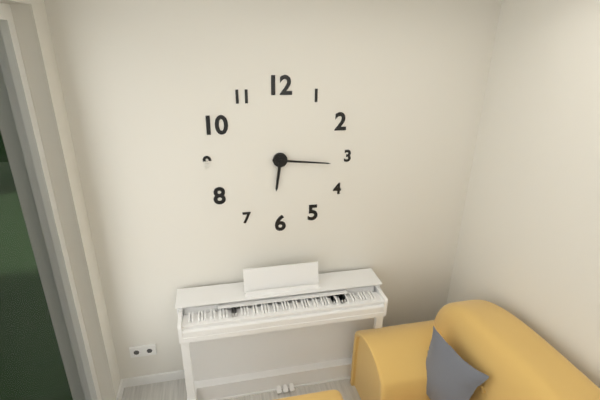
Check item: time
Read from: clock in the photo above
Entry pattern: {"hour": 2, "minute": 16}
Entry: {"hour": 6, "minute": 16}
